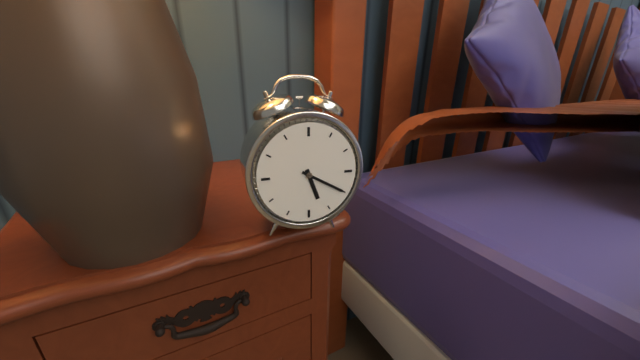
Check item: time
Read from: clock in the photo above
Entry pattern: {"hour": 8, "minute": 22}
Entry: {"hour": 5, "minute": 20}
